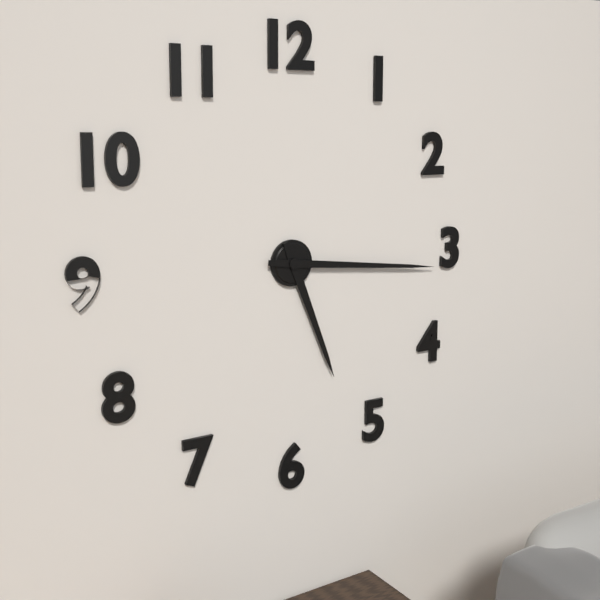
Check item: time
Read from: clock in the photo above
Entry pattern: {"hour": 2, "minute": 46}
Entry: {"hour": 5, "minute": 16}
